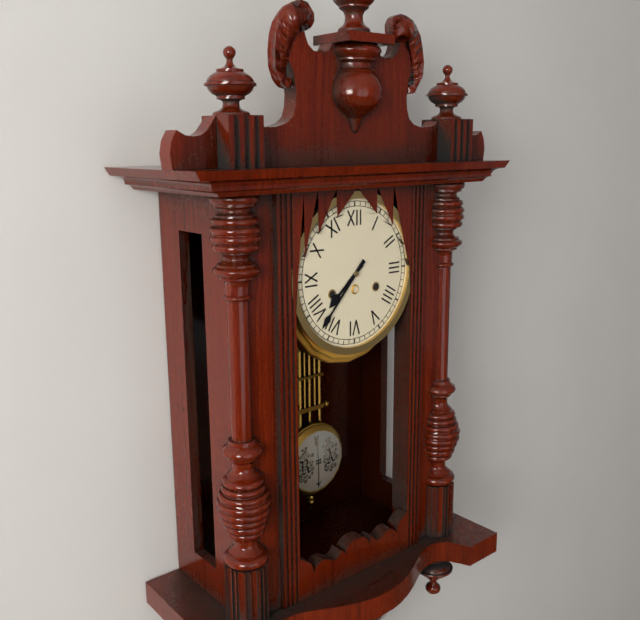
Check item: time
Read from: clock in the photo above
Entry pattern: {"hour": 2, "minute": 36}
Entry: {"hour": 7, "minute": 37}
